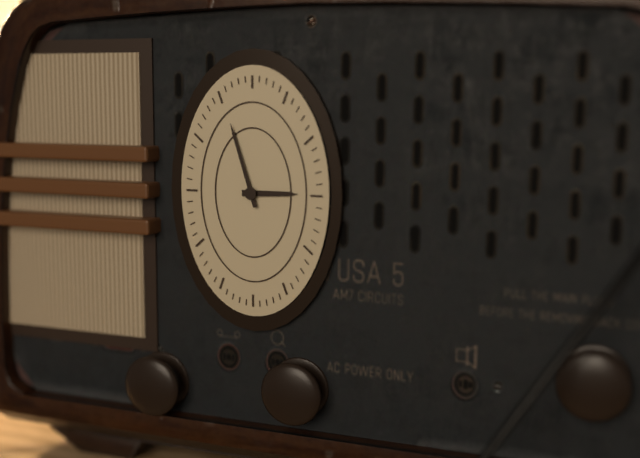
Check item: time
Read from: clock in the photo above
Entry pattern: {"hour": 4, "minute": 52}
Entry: {"hour": 2, "minute": 57}
